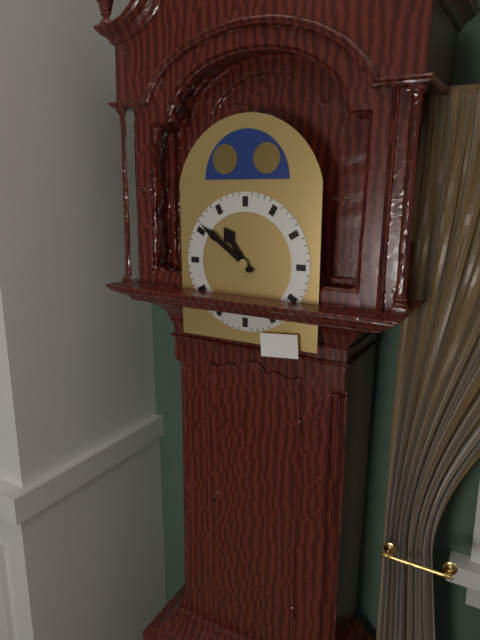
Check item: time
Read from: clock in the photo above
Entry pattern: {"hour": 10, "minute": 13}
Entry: {"hour": 10, "minute": 51}
